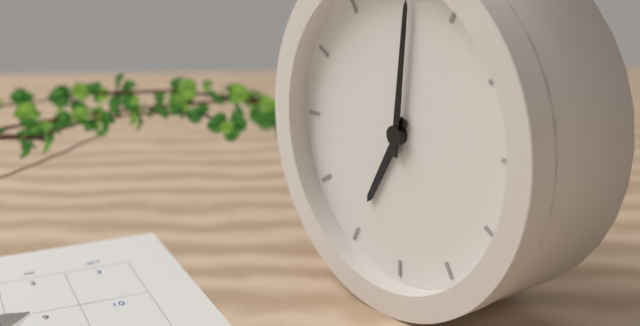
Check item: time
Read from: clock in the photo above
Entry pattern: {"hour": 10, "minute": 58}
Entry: {"hour": 7, "minute": 1}
